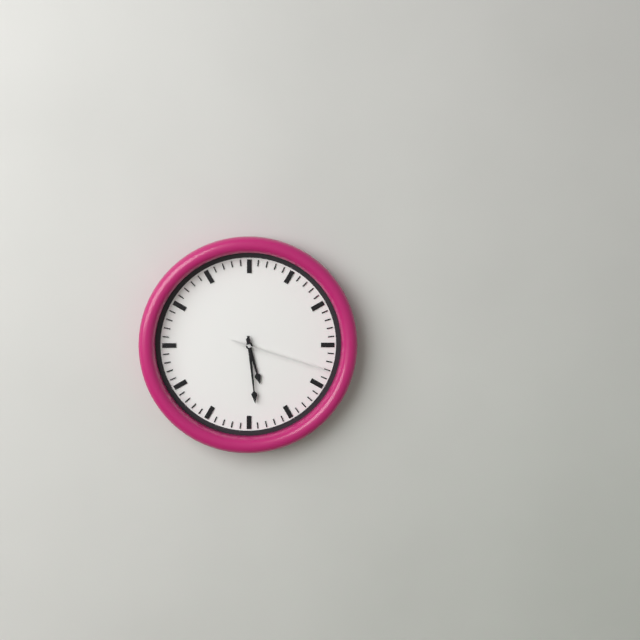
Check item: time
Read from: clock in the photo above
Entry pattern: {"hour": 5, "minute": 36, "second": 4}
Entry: {"hour": 5, "minute": 29, "second": 18}
